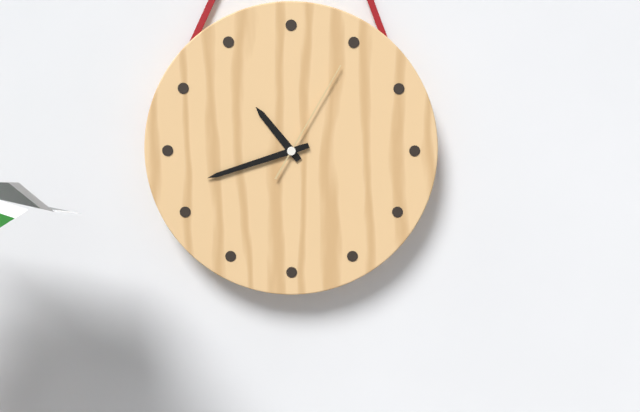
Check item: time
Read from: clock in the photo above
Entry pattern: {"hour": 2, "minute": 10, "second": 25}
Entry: {"hour": 10, "minute": 42, "second": 5}
